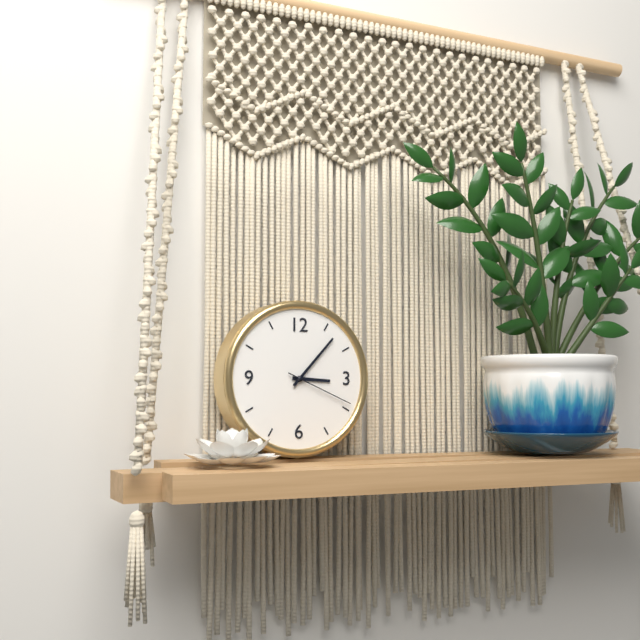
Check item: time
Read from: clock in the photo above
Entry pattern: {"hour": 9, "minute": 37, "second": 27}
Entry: {"hour": 3, "minute": 7, "second": 19}
